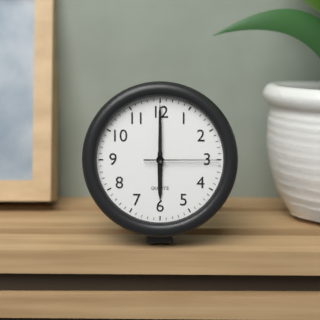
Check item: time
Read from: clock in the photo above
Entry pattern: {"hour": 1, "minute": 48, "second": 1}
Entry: {"hour": 6, "minute": 0, "second": 15}
